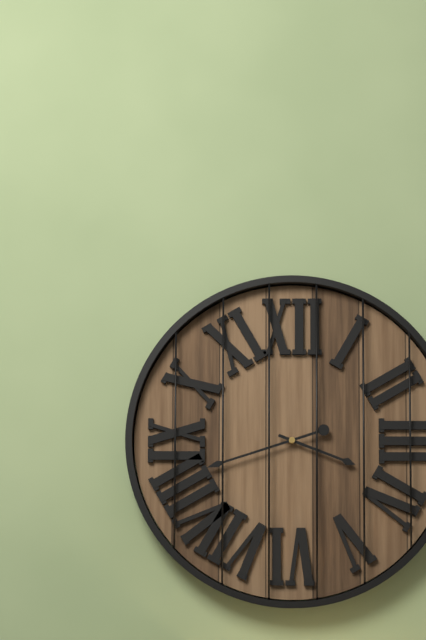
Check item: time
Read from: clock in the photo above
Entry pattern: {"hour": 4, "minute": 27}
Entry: {"hour": 3, "minute": 42}
